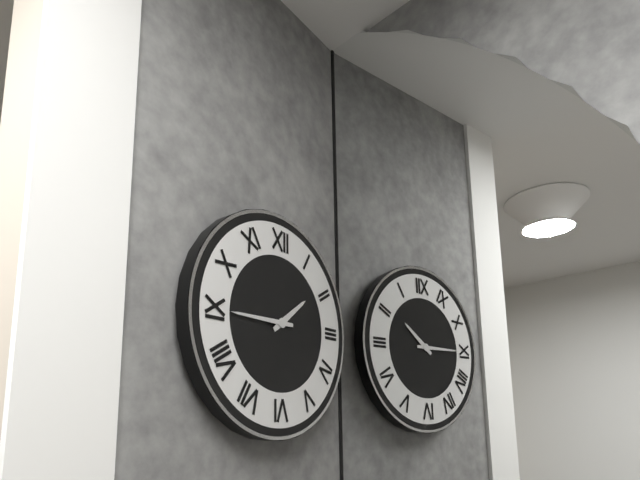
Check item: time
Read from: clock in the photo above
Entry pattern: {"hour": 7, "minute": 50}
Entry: {"hour": 1, "minute": 45}
